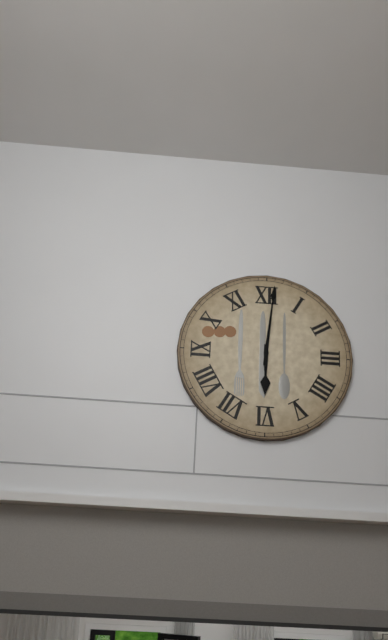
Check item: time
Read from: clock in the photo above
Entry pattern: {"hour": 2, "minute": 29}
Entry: {"hour": 6, "minute": 1}
